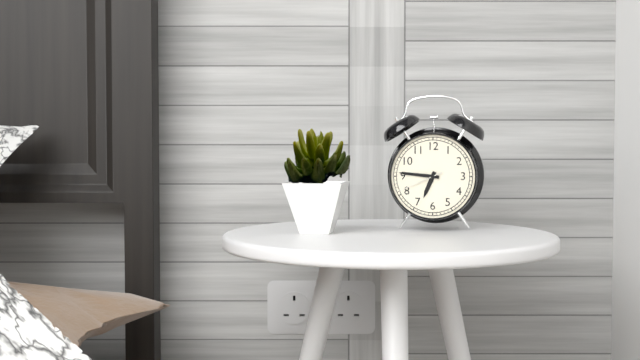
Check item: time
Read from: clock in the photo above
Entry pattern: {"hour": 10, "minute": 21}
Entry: {"hour": 6, "minute": 46}
